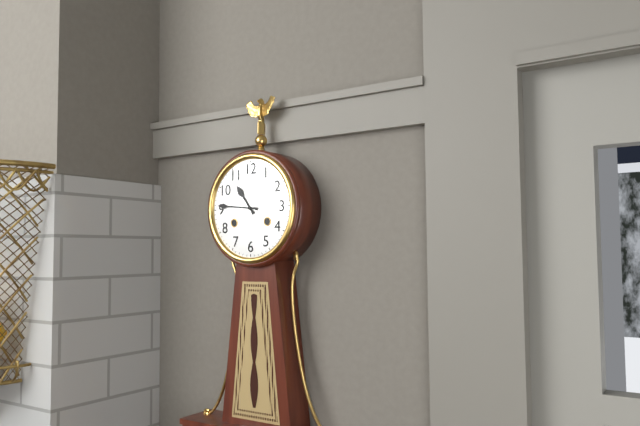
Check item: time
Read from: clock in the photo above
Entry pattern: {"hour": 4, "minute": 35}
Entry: {"hour": 10, "minute": 46}
